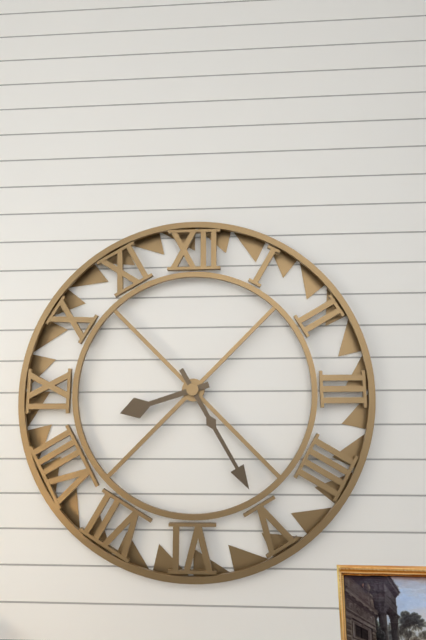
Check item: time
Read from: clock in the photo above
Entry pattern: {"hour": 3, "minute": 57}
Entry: {"hour": 8, "minute": 25}
